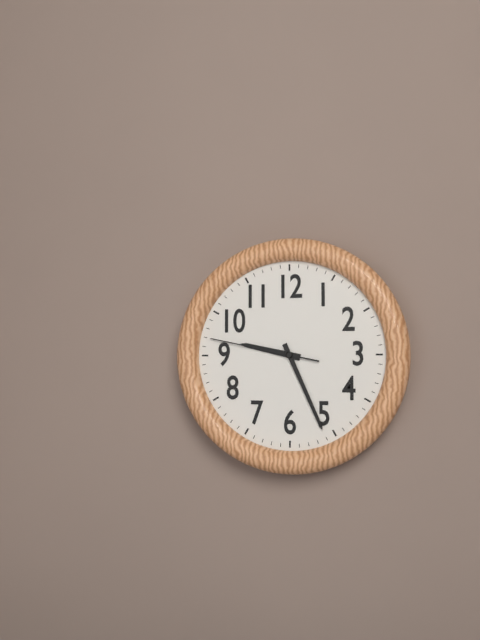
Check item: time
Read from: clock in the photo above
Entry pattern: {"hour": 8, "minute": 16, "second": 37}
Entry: {"hour": 9, "minute": 26, "second": 47}
